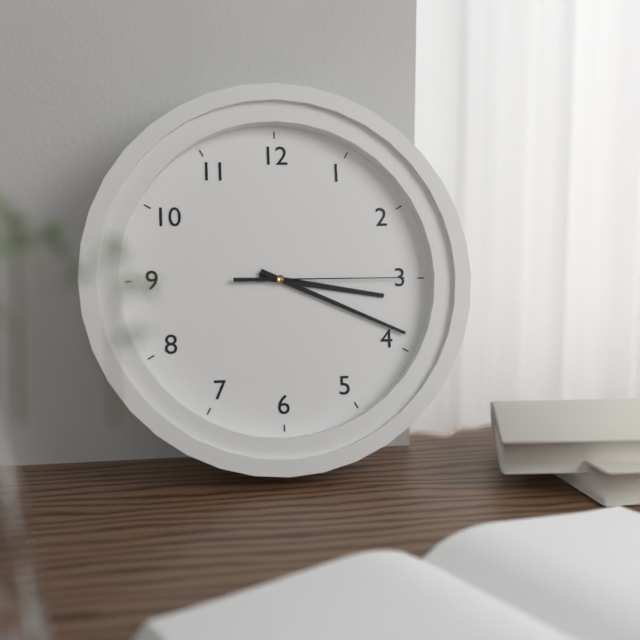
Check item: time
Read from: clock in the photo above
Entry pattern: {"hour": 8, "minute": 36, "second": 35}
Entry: {"hour": 3, "minute": 19, "second": 15}
